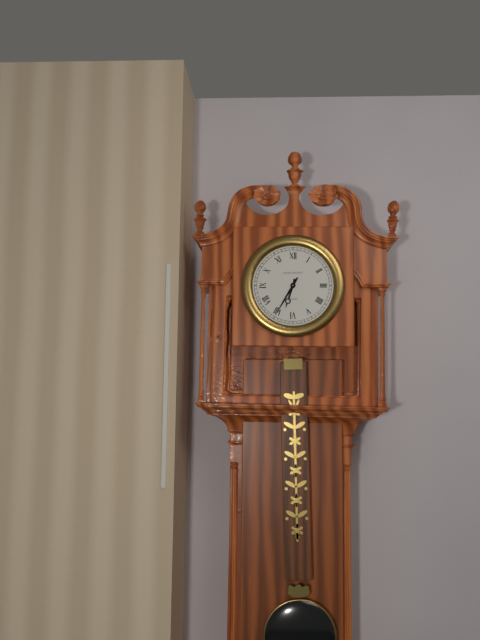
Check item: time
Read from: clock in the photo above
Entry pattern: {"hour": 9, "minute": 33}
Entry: {"hour": 6, "minute": 35}
